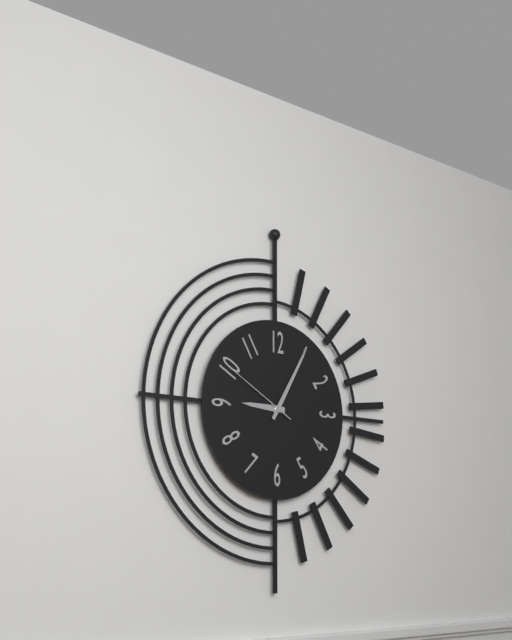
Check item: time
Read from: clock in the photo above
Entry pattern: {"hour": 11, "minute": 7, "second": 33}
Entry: {"hour": 9, "minute": 5, "second": 50}
